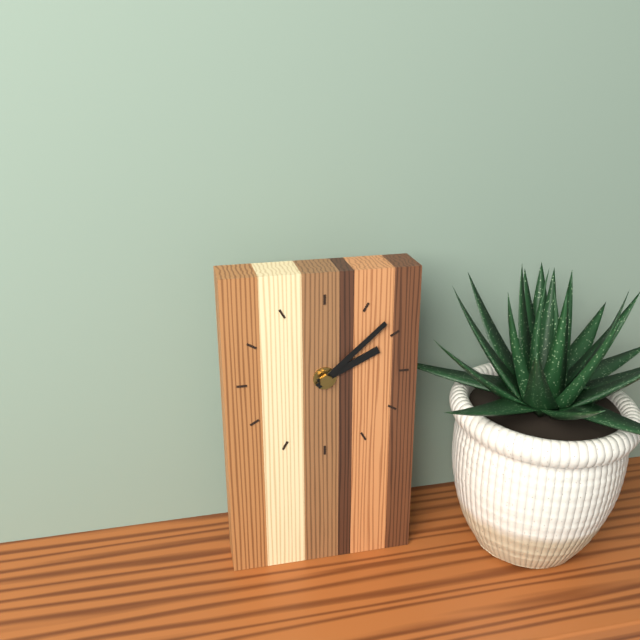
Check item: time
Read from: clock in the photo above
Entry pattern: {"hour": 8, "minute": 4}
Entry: {"hour": 2, "minute": 8}
